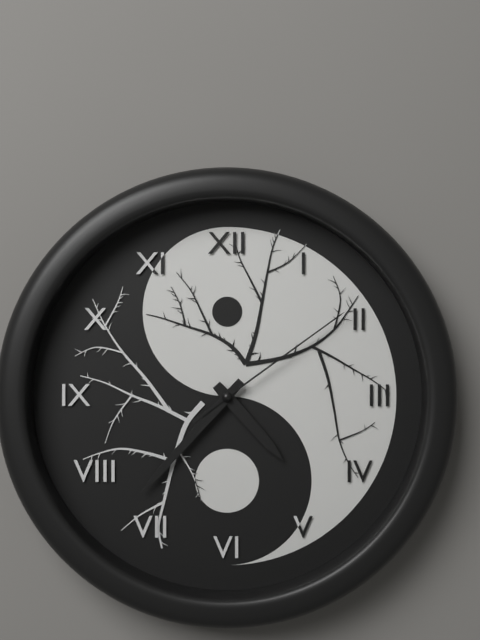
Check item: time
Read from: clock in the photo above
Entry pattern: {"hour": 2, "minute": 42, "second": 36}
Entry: {"hour": 4, "minute": 37, "second": 9}
